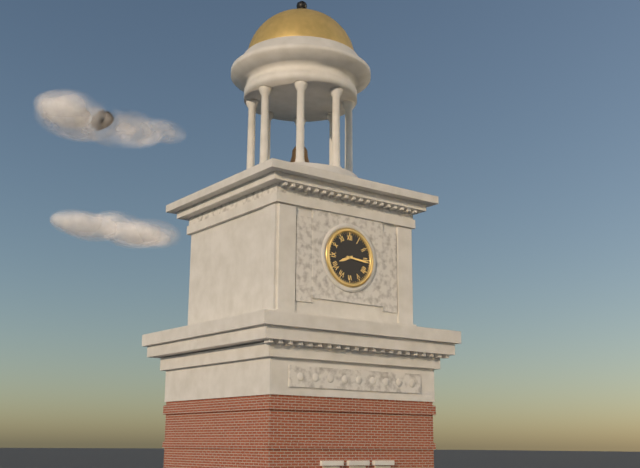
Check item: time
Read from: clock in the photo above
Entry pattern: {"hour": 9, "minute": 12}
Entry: {"hour": 8, "minute": 16}
